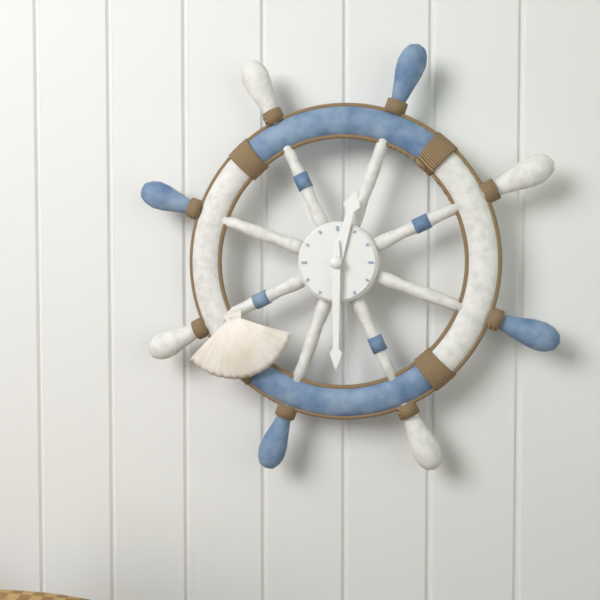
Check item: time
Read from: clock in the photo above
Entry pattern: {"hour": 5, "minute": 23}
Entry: {"hour": 12, "minute": 30}
